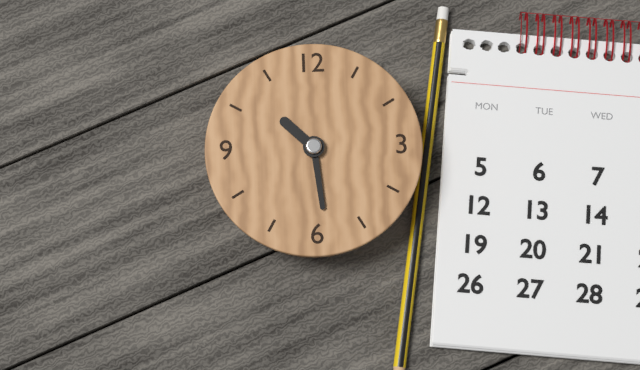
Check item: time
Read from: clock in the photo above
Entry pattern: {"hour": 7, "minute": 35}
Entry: {"hour": 10, "minute": 29}
